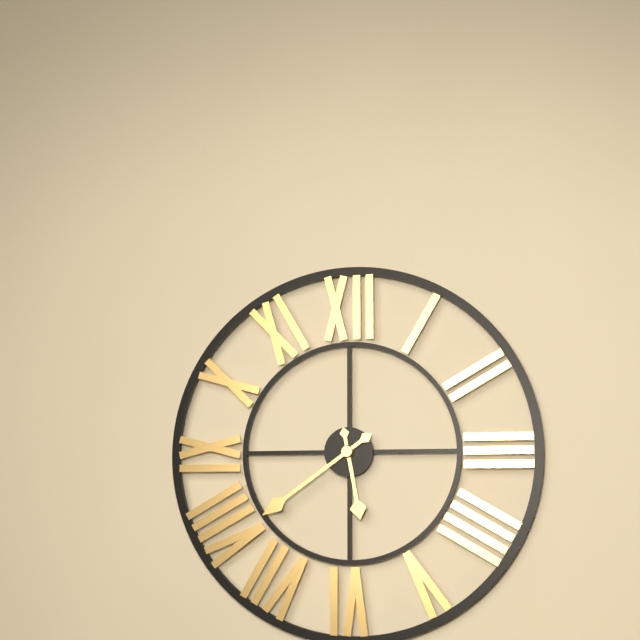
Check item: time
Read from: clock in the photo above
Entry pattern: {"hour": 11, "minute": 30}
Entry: {"hour": 5, "minute": 39}
